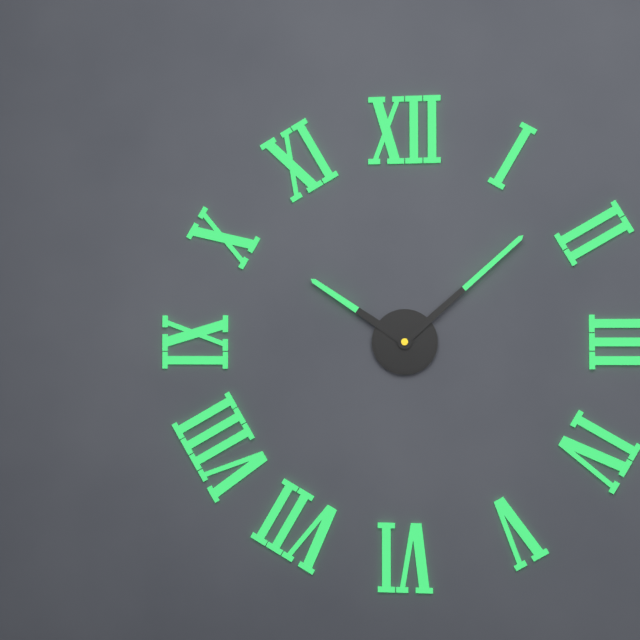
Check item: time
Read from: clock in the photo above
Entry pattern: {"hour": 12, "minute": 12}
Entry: {"hour": 10, "minute": 8}
